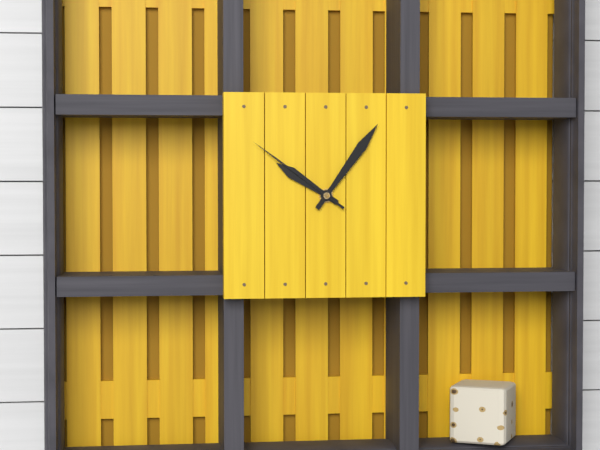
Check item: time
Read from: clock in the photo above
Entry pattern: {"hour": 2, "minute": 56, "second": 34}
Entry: {"hour": 10, "minute": 6, "second": 51}
